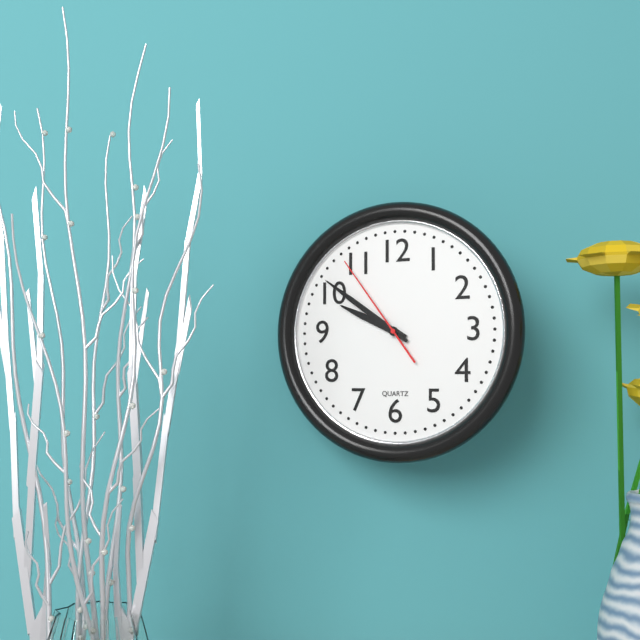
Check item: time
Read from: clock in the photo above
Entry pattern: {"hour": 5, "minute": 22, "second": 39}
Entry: {"hour": 9, "minute": 51, "second": 54}
